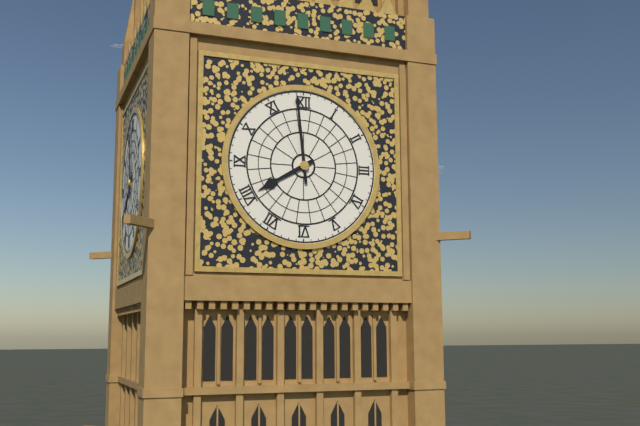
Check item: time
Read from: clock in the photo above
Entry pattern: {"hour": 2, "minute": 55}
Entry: {"hour": 7, "minute": 59}
